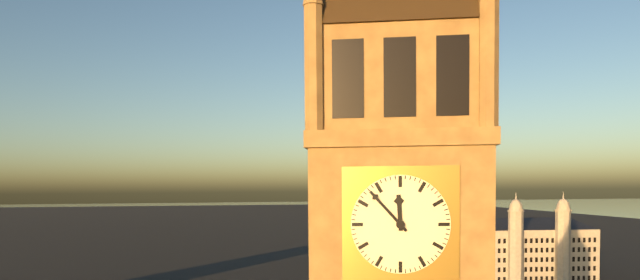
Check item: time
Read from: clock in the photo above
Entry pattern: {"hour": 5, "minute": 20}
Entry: {"hour": 11, "minute": 53}
